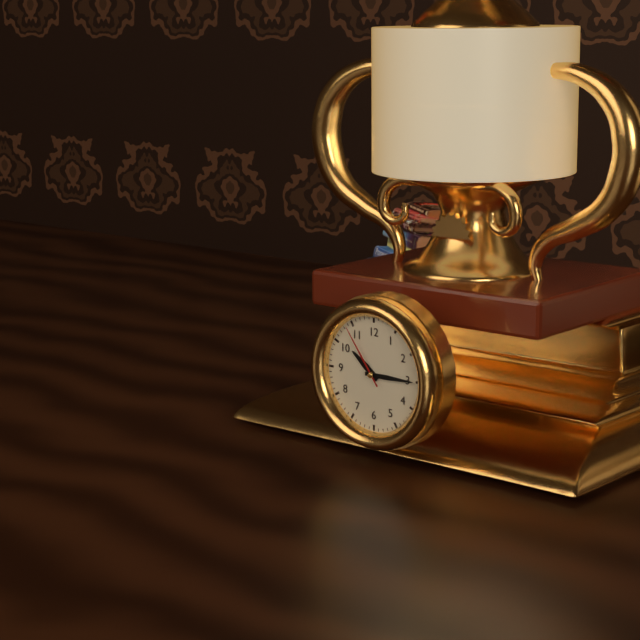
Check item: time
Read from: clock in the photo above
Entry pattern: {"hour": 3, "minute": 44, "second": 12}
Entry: {"hour": 10, "minute": 15, "second": 54}
